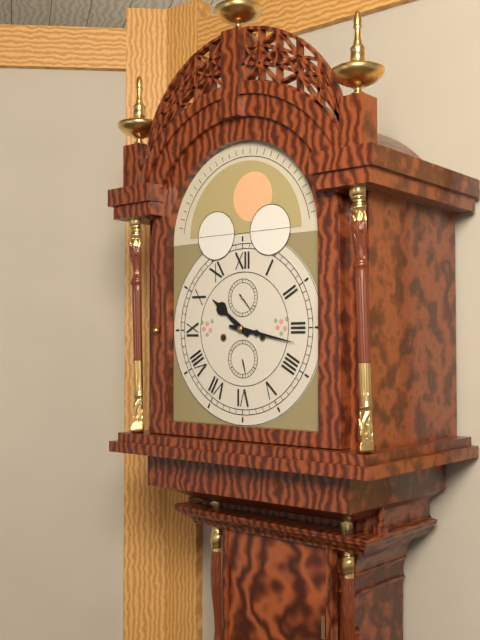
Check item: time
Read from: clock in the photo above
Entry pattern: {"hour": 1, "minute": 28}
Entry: {"hour": 10, "minute": 17}
